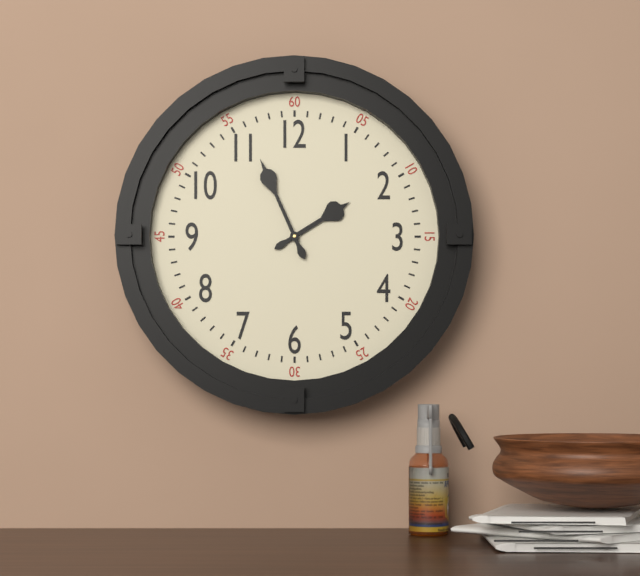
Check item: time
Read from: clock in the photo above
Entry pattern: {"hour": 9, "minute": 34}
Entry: {"hour": 1, "minute": 56}
